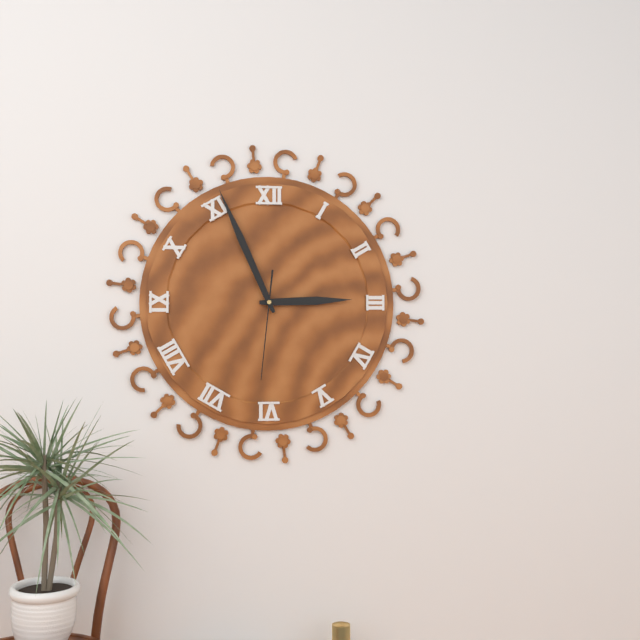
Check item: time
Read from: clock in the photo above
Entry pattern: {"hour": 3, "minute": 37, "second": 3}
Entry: {"hour": 2, "minute": 56, "second": 31}
